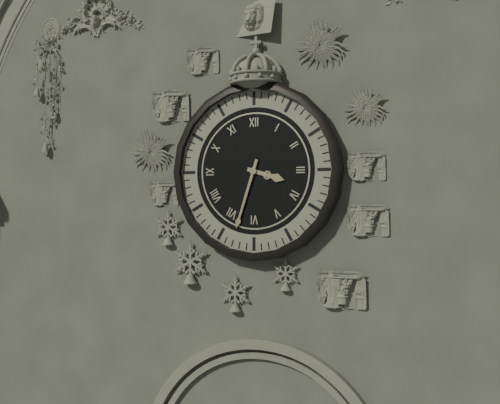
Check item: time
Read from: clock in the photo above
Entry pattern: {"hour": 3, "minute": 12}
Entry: {"hour": 3, "minute": 33}
